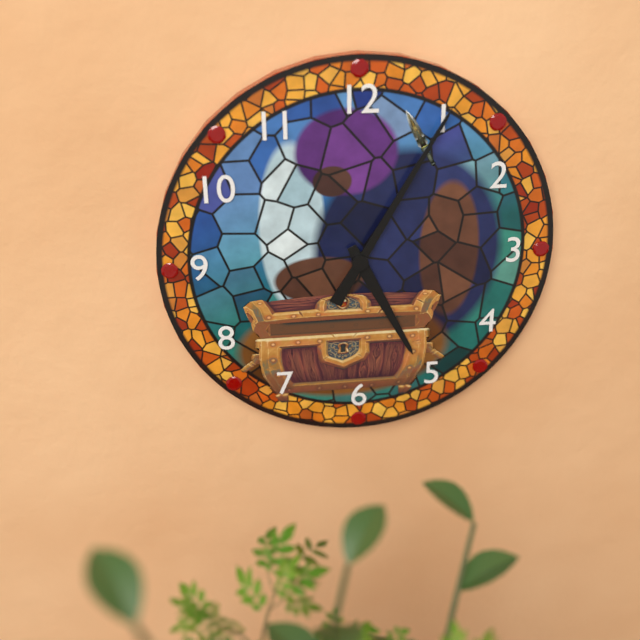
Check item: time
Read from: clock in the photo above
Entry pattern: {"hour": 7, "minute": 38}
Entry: {"hour": 5, "minute": 5}
